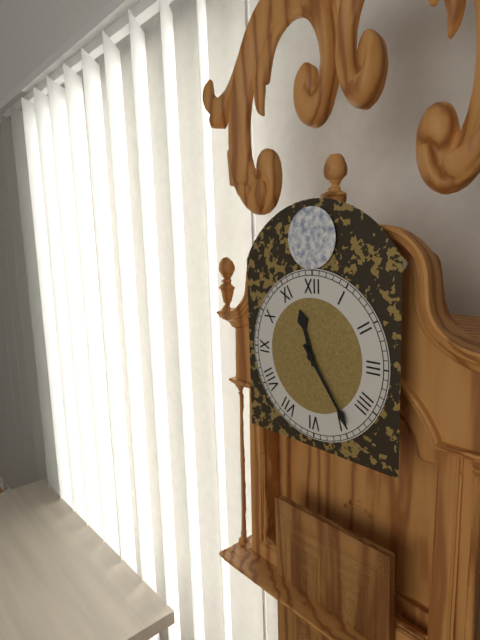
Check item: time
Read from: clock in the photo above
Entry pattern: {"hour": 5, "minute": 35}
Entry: {"hour": 11, "minute": 24}
